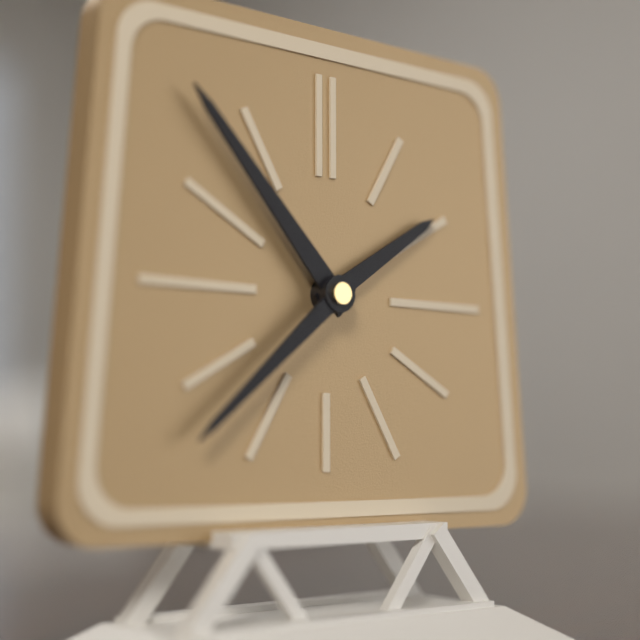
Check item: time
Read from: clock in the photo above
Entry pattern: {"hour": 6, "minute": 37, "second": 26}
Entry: {"hour": 1, "minute": 53, "second": 38}
